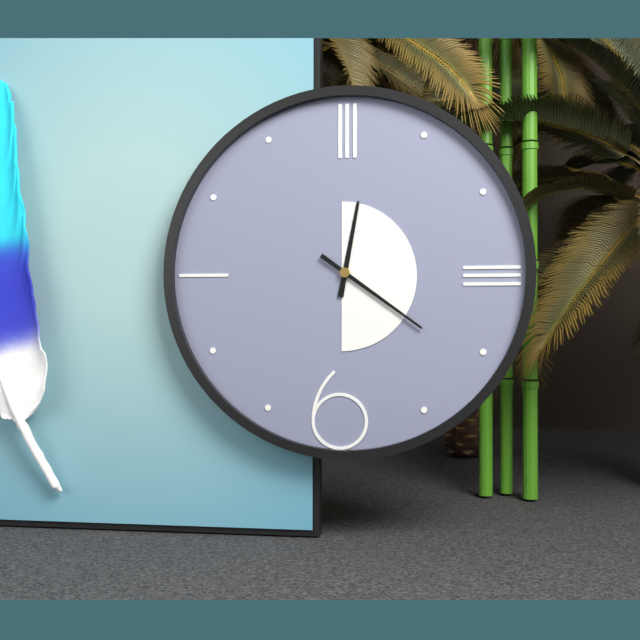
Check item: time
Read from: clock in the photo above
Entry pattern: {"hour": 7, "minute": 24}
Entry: {"hour": 12, "minute": 21}
